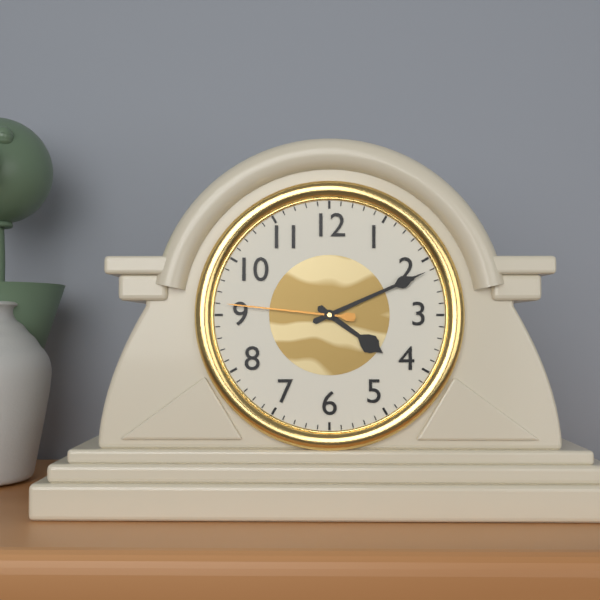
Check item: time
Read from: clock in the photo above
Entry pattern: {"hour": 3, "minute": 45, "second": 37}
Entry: {"hour": 4, "minute": 11, "second": 46}
